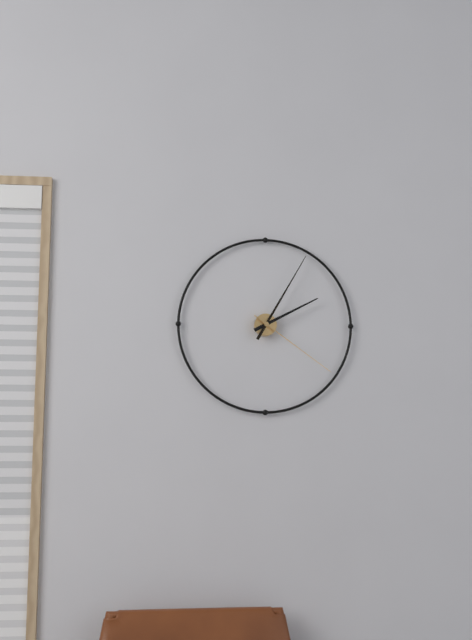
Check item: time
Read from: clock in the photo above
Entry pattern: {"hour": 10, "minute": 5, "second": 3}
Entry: {"hour": 2, "minute": 5, "second": 21}
